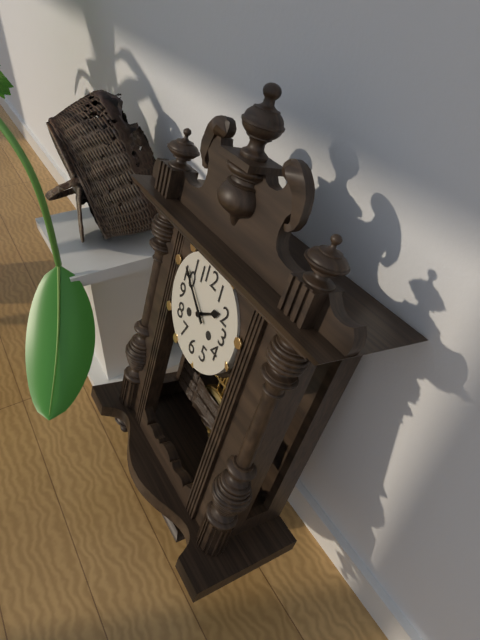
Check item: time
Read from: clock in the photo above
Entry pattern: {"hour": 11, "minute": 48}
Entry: {"hour": 1, "minute": 51}
